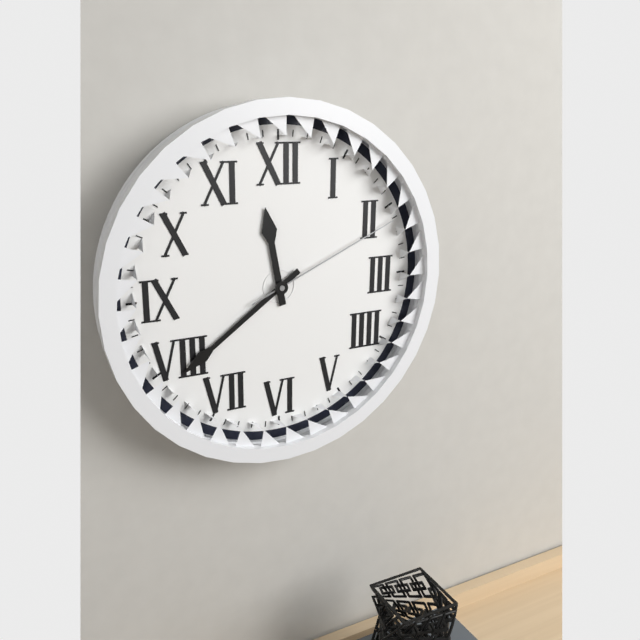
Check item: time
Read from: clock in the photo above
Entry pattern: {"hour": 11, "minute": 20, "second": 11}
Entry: {"hour": 11, "minute": 39, "second": 11}
